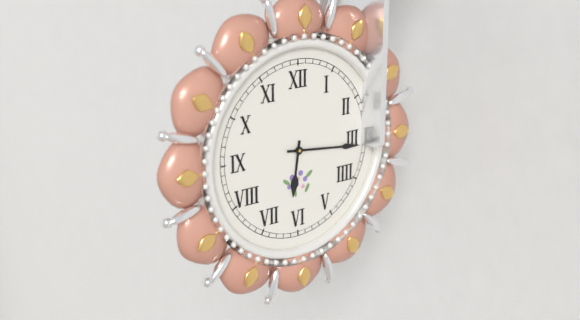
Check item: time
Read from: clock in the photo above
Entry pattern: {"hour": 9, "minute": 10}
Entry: {"hour": 6, "minute": 16}
